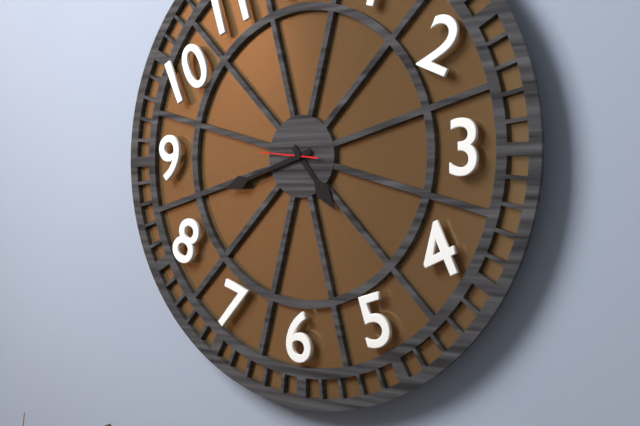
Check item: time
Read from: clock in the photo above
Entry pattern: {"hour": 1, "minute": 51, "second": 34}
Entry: {"hour": 4, "minute": 42, "second": 46}
